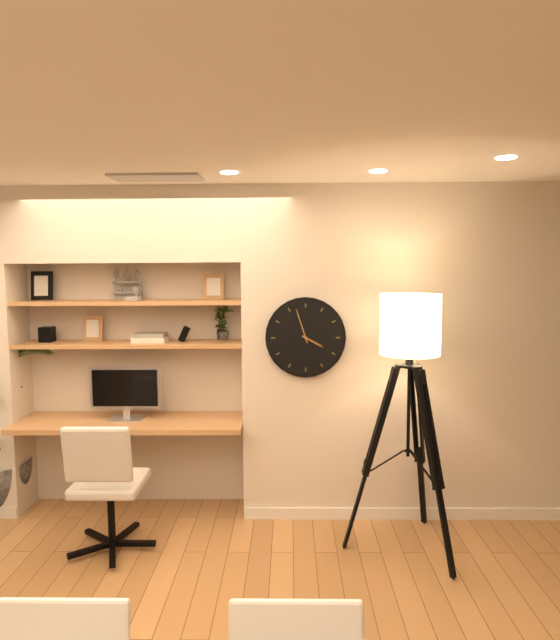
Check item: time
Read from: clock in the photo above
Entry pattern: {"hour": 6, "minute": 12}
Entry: {"hour": 3, "minute": 57}
